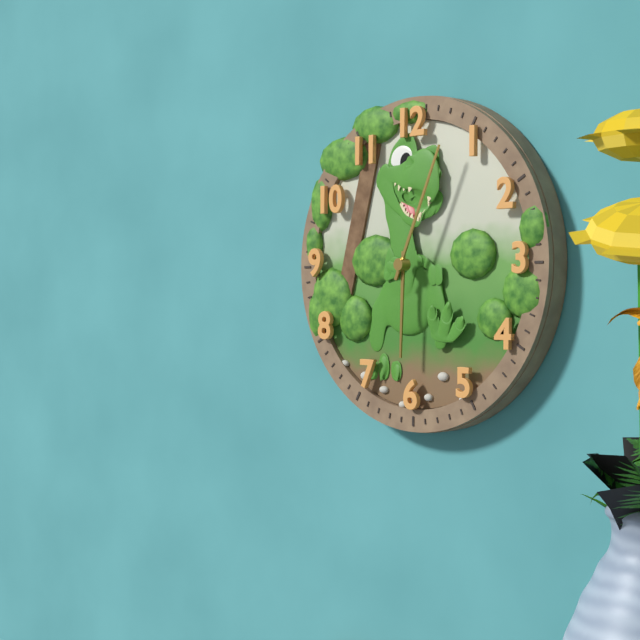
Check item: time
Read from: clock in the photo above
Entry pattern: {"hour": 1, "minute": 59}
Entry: {"hour": 6, "minute": 4}
